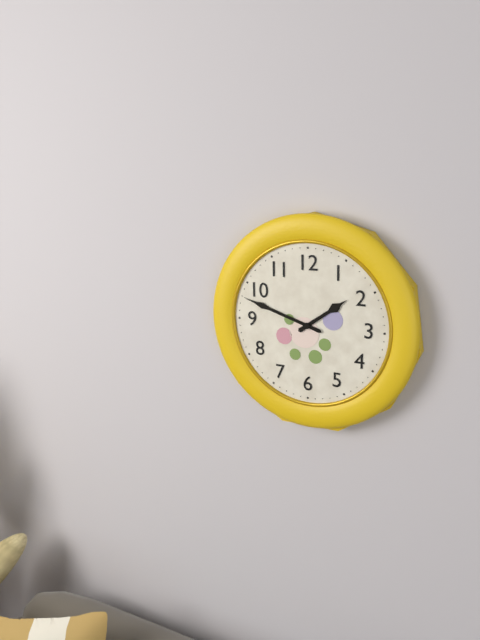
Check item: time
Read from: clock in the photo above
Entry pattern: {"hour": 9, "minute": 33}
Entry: {"hour": 1, "minute": 48}
